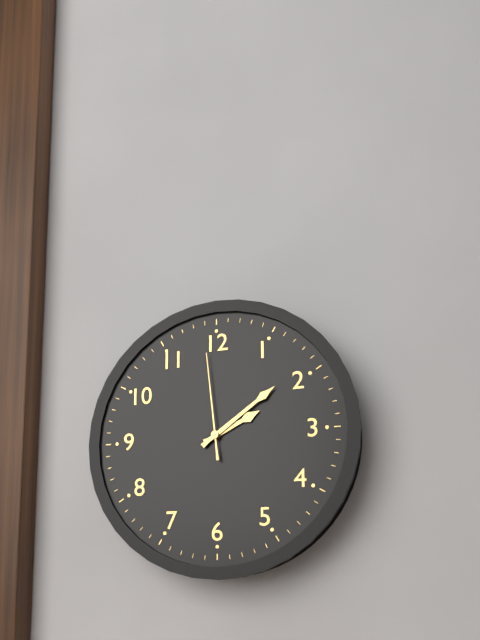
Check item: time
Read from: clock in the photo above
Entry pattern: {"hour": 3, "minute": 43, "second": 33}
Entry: {"hour": 2, "minute": 9, "second": 59}
